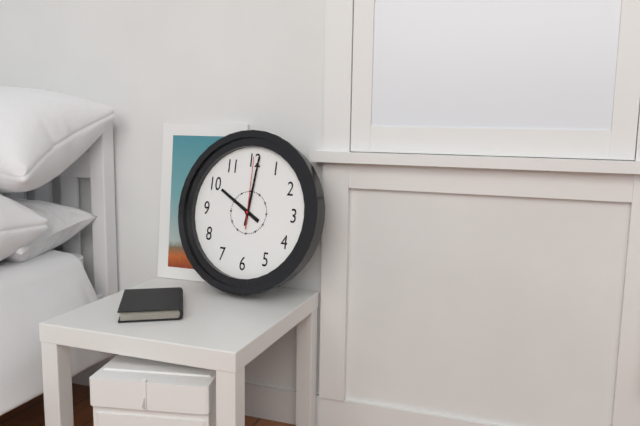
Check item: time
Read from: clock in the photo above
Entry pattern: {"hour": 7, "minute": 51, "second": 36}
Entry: {"hour": 10, "minute": 1, "second": 0}
